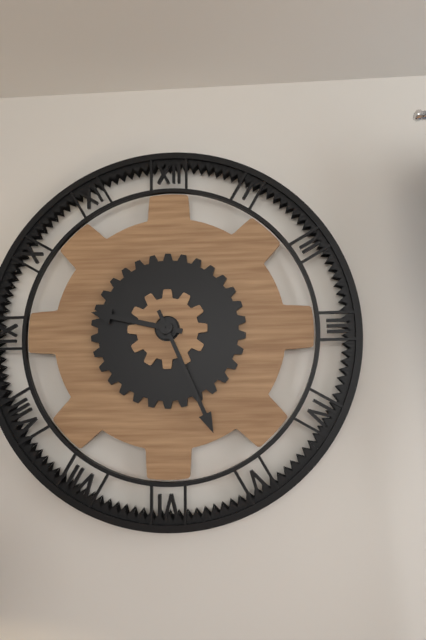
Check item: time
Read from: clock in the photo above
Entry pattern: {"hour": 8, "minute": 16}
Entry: {"hour": 9, "minute": 26}
